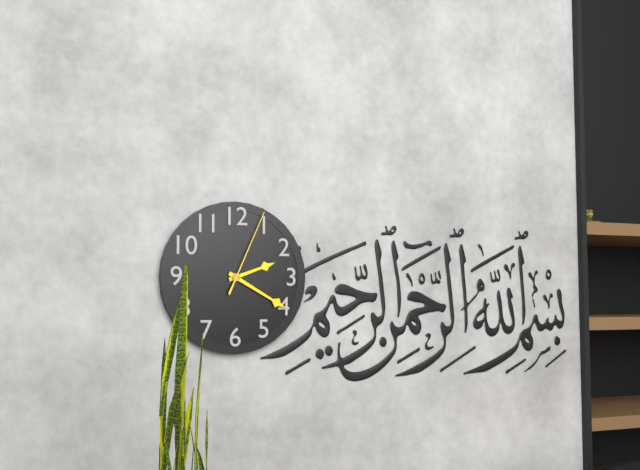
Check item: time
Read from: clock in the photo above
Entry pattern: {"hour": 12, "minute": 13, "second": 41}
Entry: {"hour": 2, "minute": 20, "second": 4}
